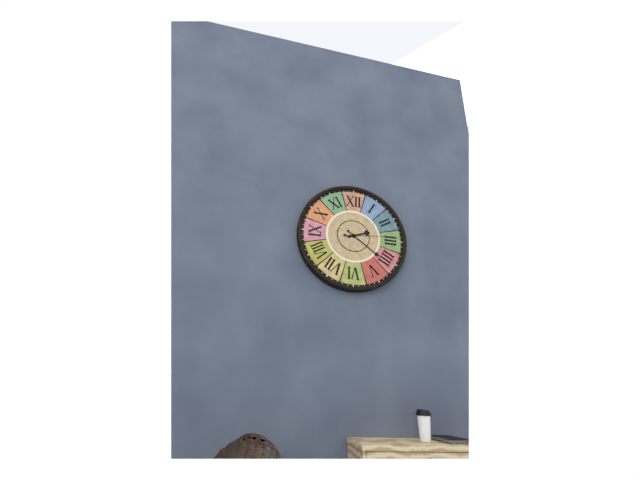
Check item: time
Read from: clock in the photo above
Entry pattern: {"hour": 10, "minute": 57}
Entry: {"hour": 2, "minute": 21}
